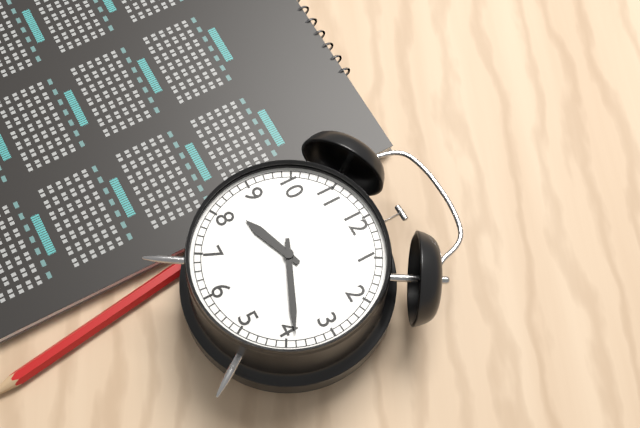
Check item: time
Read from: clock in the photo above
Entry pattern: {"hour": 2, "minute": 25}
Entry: {"hour": 8, "minute": 19}
